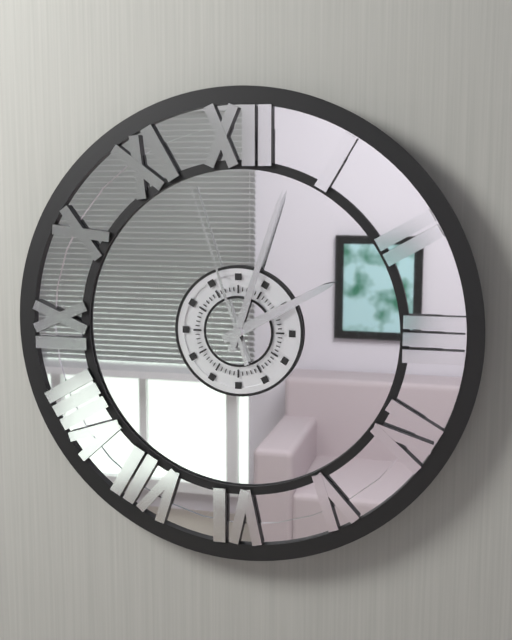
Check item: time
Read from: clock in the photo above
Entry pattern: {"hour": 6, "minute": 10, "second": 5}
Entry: {"hour": 2, "minute": 3, "second": 57}
